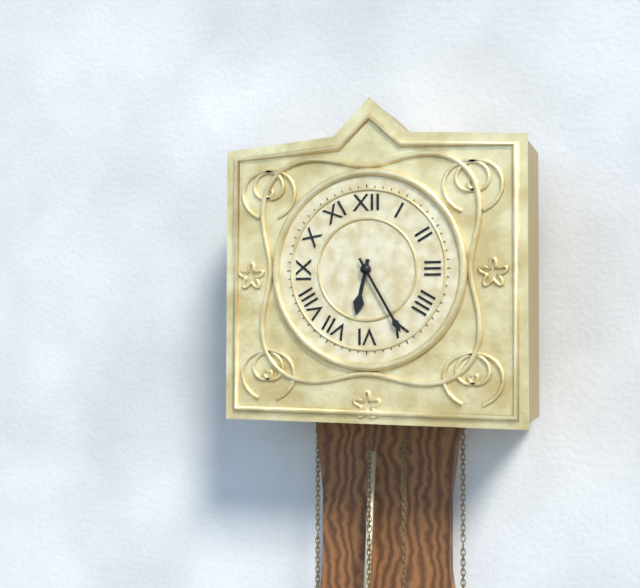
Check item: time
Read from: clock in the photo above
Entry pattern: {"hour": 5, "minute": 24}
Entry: {"hour": 6, "minute": 25}
